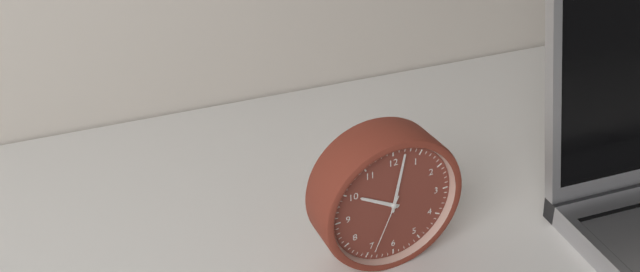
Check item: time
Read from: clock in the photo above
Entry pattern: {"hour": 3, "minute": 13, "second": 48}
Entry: {"hour": 10, "minute": 2, "second": 34}
